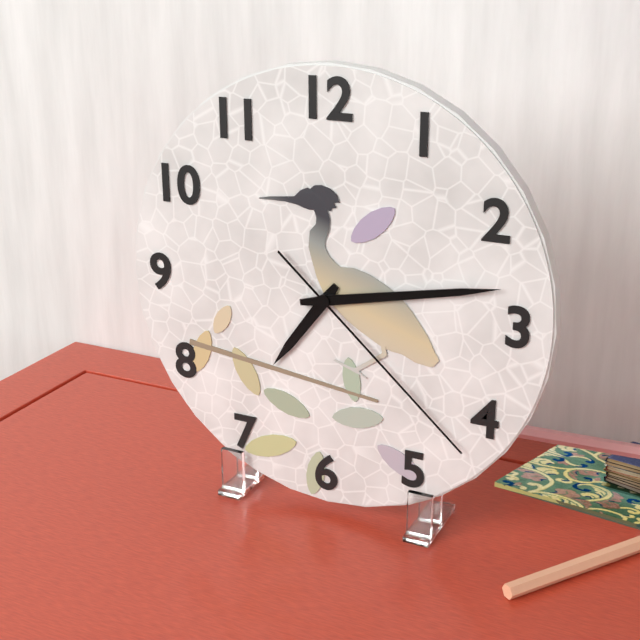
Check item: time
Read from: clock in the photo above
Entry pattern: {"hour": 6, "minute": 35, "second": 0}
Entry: {"hour": 7, "minute": 13, "second": 22}
